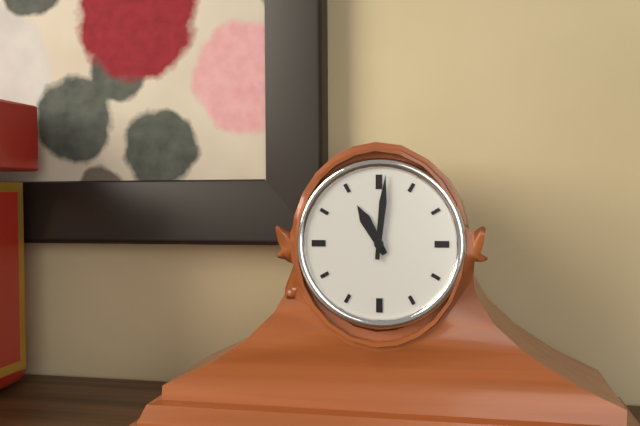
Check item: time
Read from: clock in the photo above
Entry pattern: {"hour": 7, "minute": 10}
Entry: {"hour": 11, "minute": 1}
